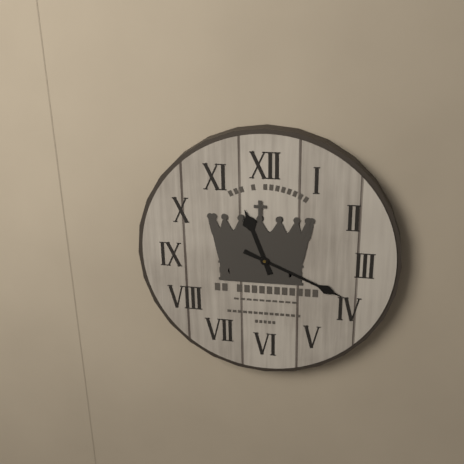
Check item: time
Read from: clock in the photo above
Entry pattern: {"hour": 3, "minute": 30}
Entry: {"hour": 11, "minute": 19}
